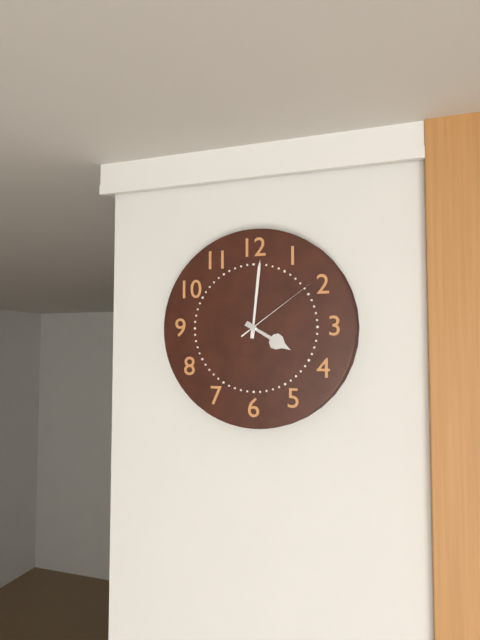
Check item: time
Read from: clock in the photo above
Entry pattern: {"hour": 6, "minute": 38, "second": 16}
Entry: {"hour": 4, "minute": 1, "second": 9}
